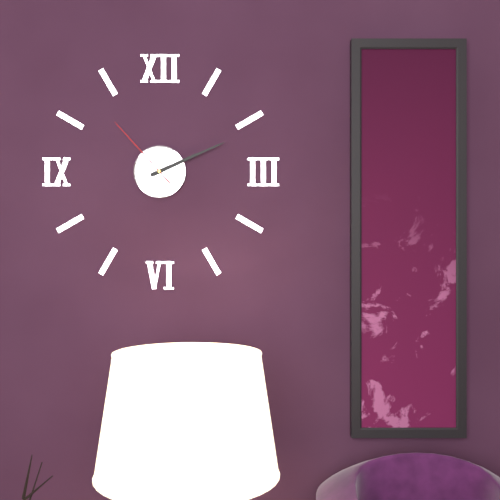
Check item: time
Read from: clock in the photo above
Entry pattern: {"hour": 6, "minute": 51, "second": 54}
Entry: {"hour": 2, "minute": 11, "second": 53}
